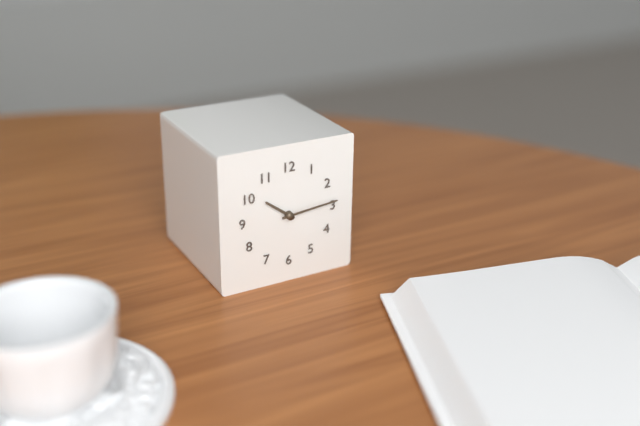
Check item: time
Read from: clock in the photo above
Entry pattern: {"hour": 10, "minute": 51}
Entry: {"hour": 10, "minute": 14}
